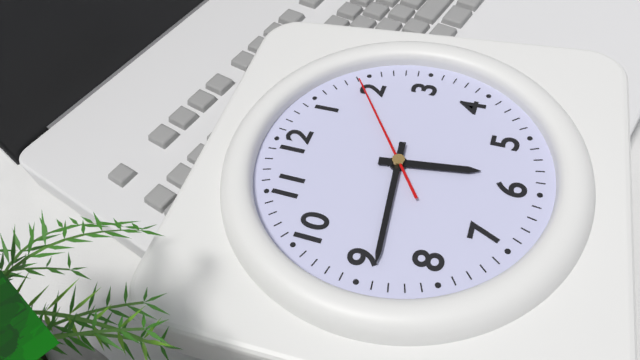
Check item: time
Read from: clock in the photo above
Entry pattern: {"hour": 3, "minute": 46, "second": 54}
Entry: {"hour": 5, "minute": 44, "second": 9}
